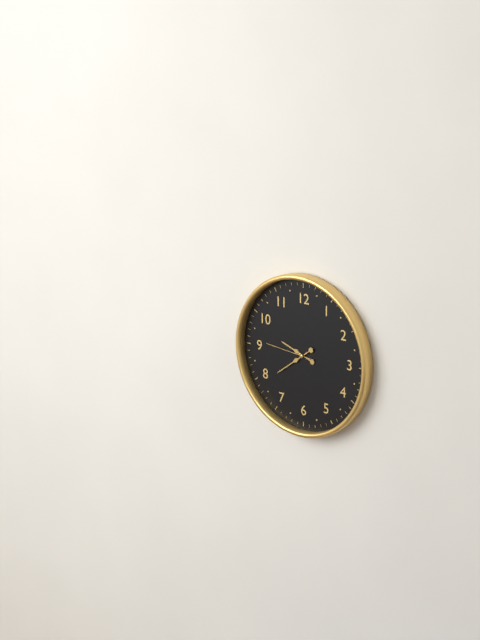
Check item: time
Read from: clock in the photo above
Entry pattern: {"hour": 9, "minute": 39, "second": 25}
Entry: {"hour": 9, "minute": 39, "second": 46}
